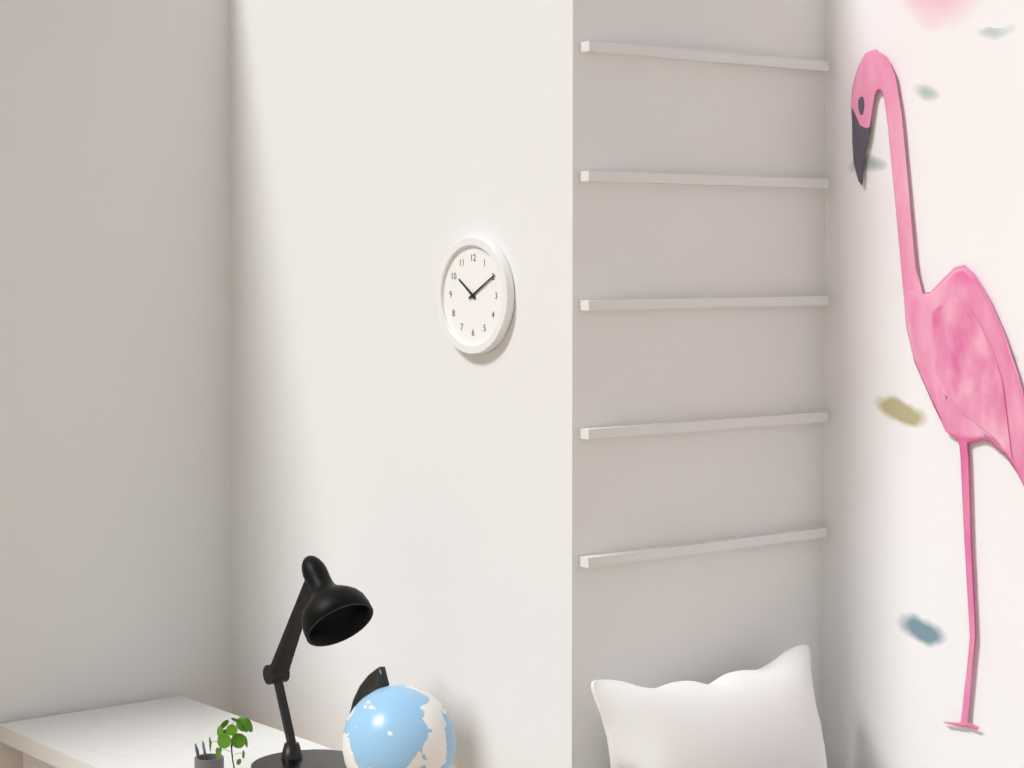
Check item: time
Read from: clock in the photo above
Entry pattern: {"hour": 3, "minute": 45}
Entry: {"hour": 10, "minute": 10}
